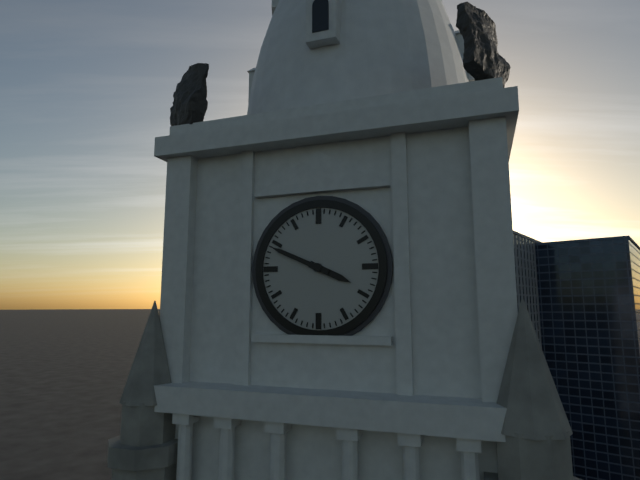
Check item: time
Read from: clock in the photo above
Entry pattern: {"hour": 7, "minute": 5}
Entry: {"hour": 3, "minute": 49}
